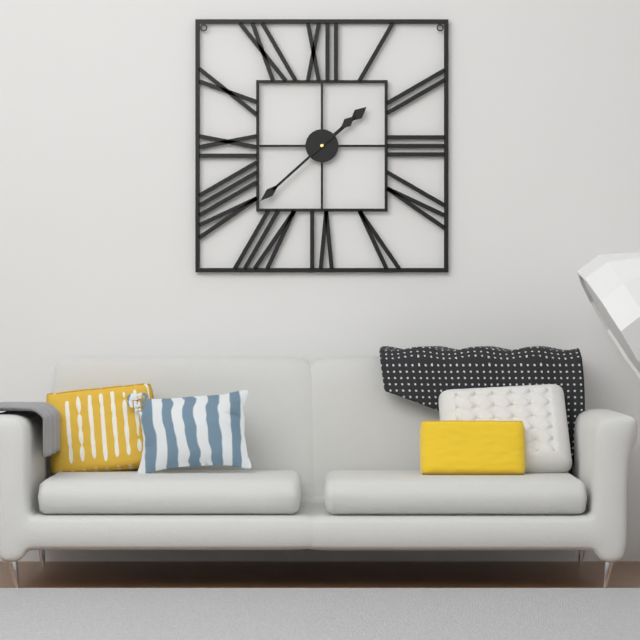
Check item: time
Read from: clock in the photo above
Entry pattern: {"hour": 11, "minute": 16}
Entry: {"hour": 1, "minute": 38}
